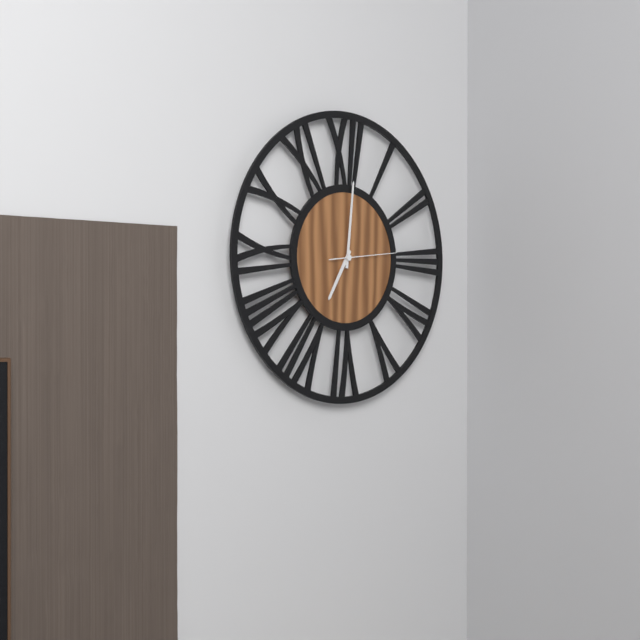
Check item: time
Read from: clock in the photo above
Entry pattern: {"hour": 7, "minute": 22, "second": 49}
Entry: {"hour": 7, "minute": 1, "second": 14}
